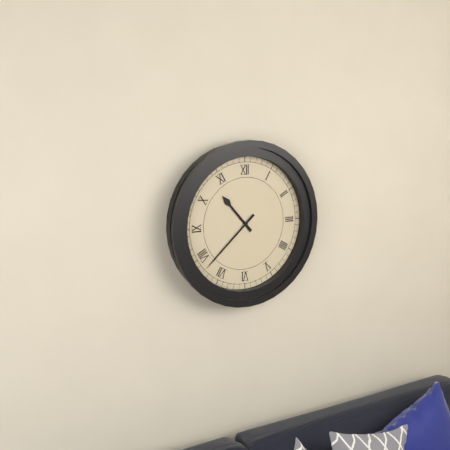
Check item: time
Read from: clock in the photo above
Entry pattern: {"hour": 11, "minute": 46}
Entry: {"hour": 10, "minute": 38}
